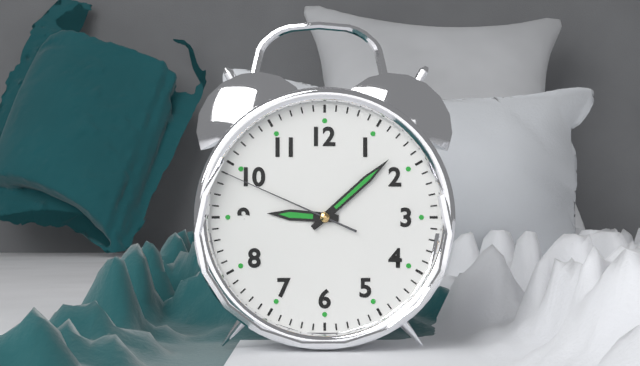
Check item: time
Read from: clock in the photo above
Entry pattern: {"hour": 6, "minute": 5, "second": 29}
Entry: {"hour": 9, "minute": 8, "second": 49}
